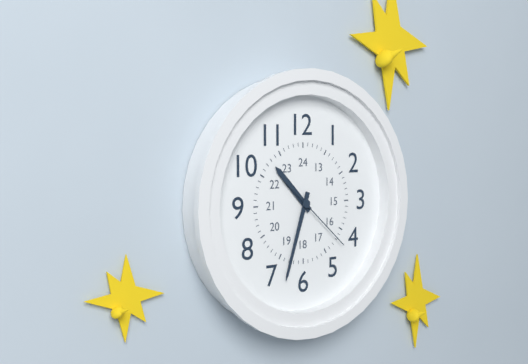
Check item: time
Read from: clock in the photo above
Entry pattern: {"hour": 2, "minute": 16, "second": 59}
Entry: {"hour": 10, "minute": 33, "second": 22}
